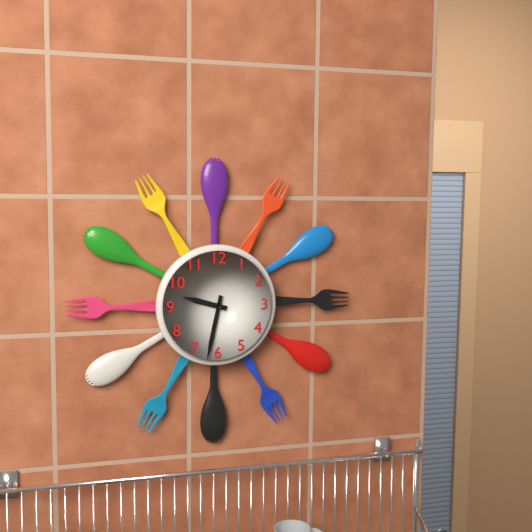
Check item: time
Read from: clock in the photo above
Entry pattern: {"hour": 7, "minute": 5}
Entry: {"hour": 9, "minute": 32}
